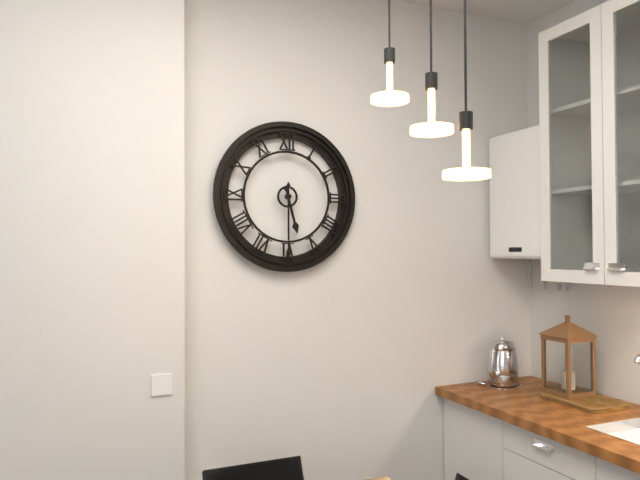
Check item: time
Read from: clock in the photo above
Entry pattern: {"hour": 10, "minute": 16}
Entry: {"hour": 5, "minute": 30}
